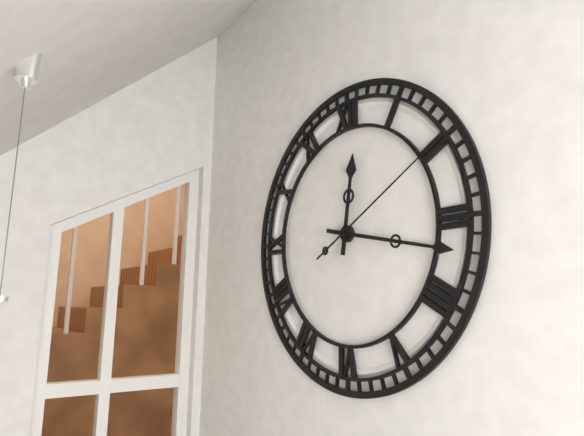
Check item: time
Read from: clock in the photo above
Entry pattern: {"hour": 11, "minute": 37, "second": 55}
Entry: {"hour": 12, "minute": 17, "second": 10}
